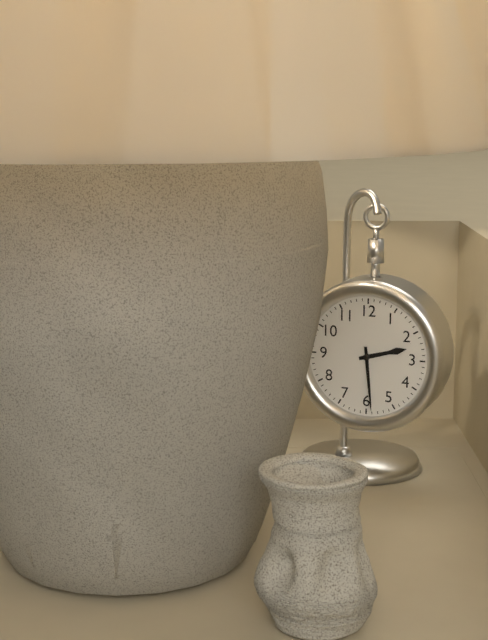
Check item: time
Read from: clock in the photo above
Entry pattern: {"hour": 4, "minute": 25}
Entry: {"hour": 2, "minute": 29}
